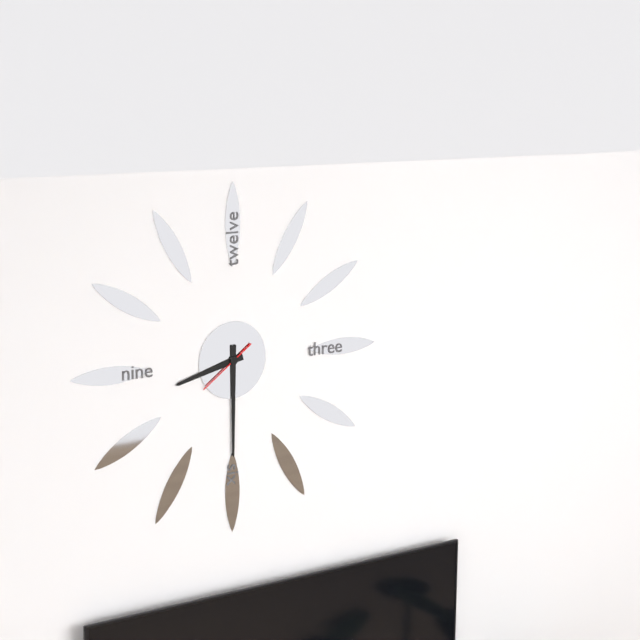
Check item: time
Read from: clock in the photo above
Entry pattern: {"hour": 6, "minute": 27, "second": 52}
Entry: {"hour": 8, "minute": 30, "second": 39}
